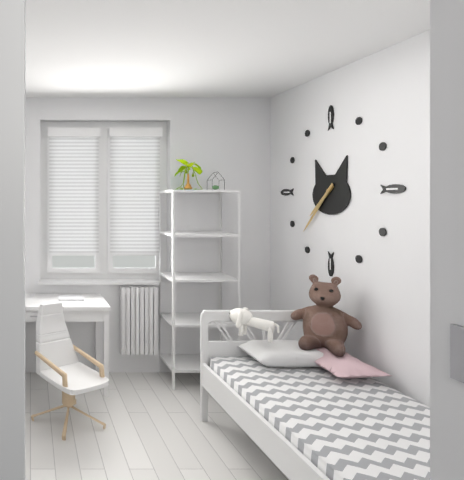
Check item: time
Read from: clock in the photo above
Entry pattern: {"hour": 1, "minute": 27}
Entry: {"hour": 7, "minute": 37}
